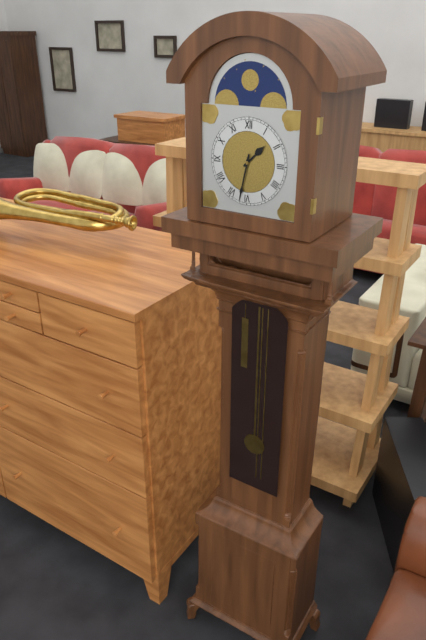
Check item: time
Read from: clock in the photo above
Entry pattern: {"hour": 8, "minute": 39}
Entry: {"hour": 1, "minute": 32}
